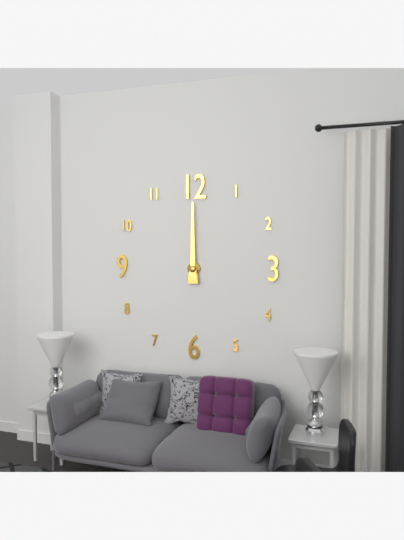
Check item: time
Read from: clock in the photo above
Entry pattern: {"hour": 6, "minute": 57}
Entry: {"hour": 12, "minute": 0}
